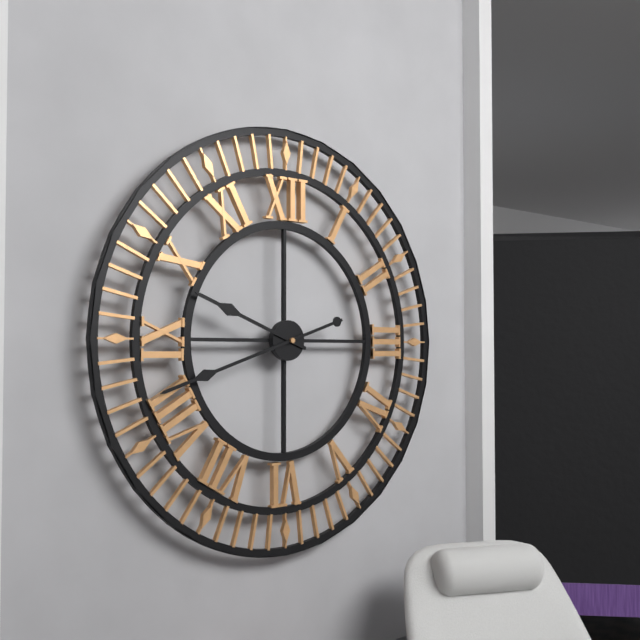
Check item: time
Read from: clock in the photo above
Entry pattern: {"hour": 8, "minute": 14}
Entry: {"hour": 9, "minute": 42}
